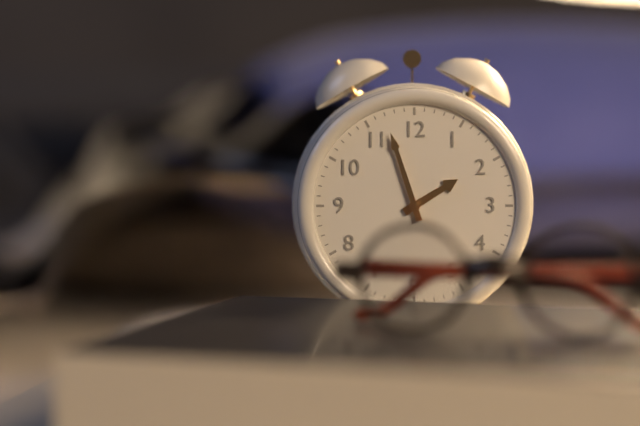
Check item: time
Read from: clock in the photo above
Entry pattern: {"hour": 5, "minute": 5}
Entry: {"hour": 1, "minute": 57}
